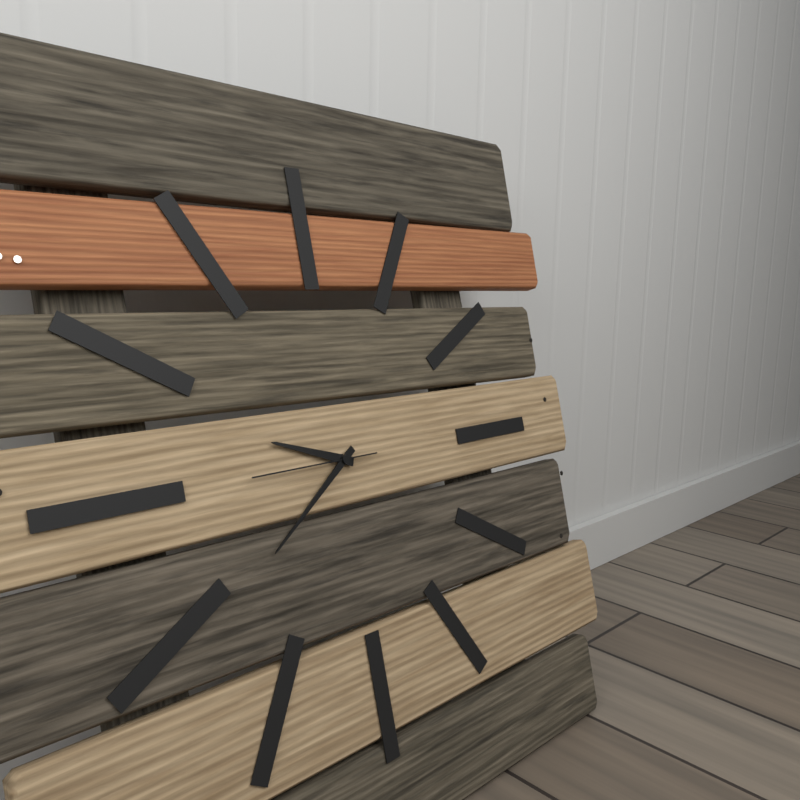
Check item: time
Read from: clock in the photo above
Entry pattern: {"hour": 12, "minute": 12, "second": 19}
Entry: {"hour": 9, "minute": 39, "second": 45}
